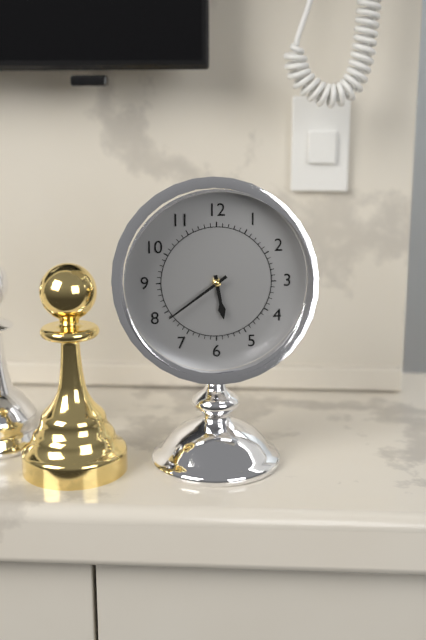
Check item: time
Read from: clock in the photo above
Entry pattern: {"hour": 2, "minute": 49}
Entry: {"hour": 5, "minute": 39}
